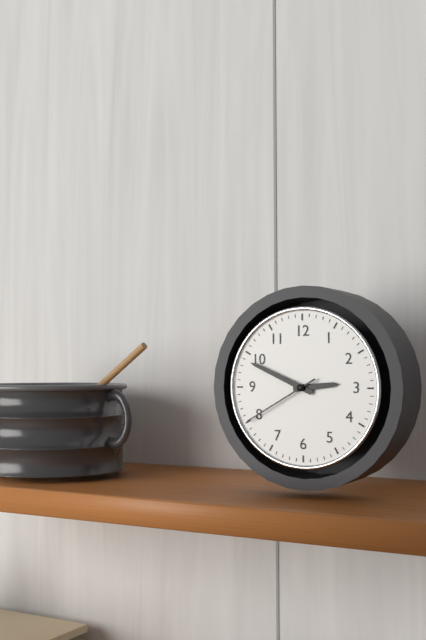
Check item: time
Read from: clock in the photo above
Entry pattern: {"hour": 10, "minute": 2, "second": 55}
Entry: {"hour": 2, "minute": 49, "second": 40}
